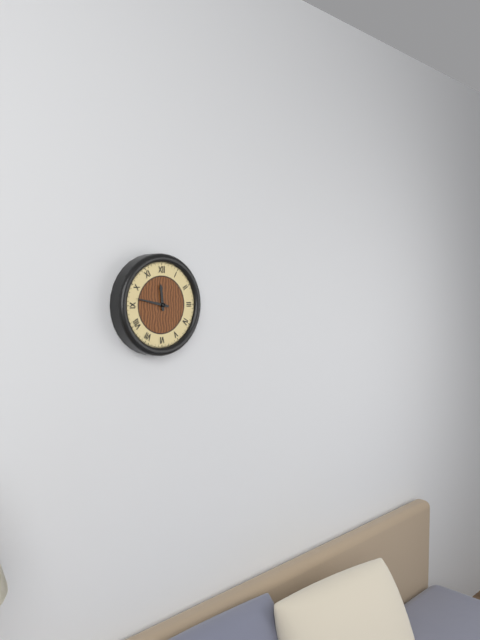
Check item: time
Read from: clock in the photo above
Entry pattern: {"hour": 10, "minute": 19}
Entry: {"hour": 11, "minute": 47}
